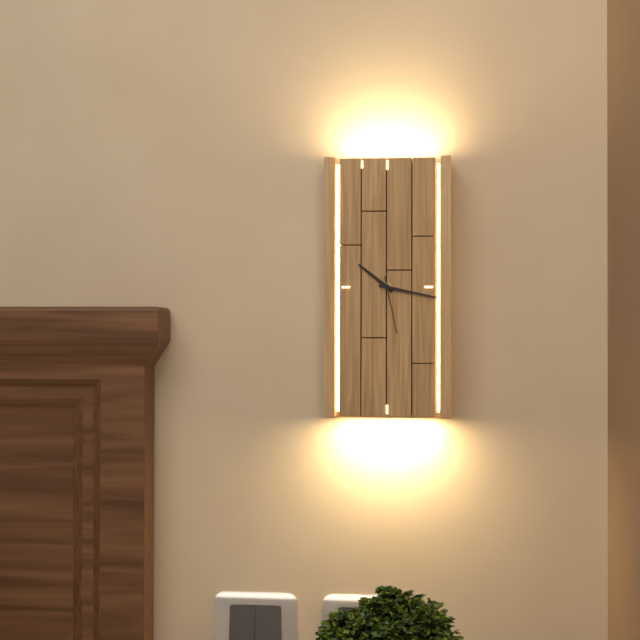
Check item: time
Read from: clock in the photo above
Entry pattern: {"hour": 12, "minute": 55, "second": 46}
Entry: {"hour": 10, "minute": 17, "second": 28}
